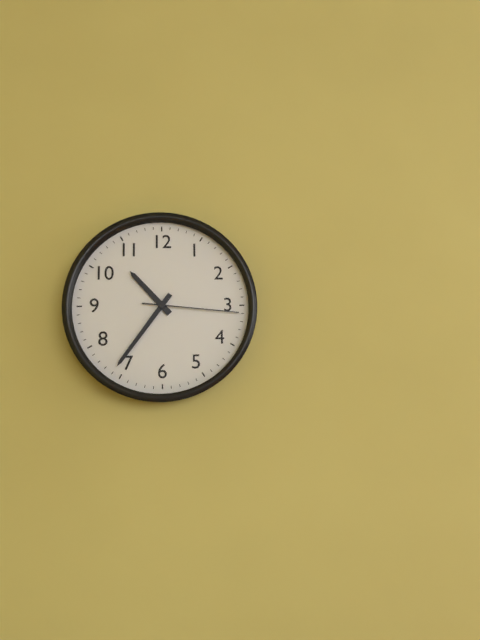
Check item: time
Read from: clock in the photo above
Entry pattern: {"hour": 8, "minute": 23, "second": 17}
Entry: {"hour": 10, "minute": 36, "second": 16}
